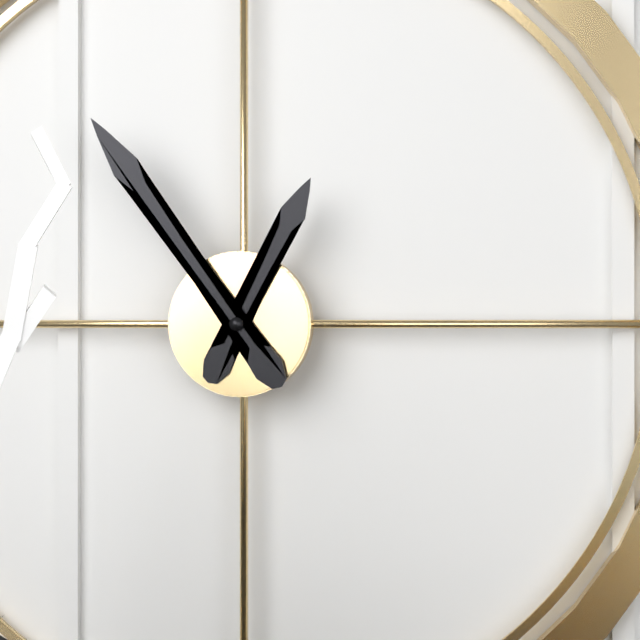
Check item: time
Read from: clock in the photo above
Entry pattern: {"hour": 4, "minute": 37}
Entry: {"hour": 12, "minute": 54}
